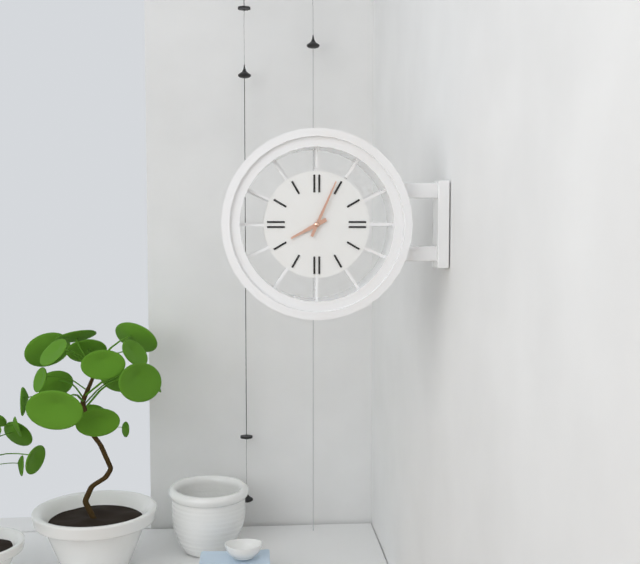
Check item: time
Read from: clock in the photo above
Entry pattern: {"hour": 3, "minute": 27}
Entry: {"hour": 8, "minute": 4}
